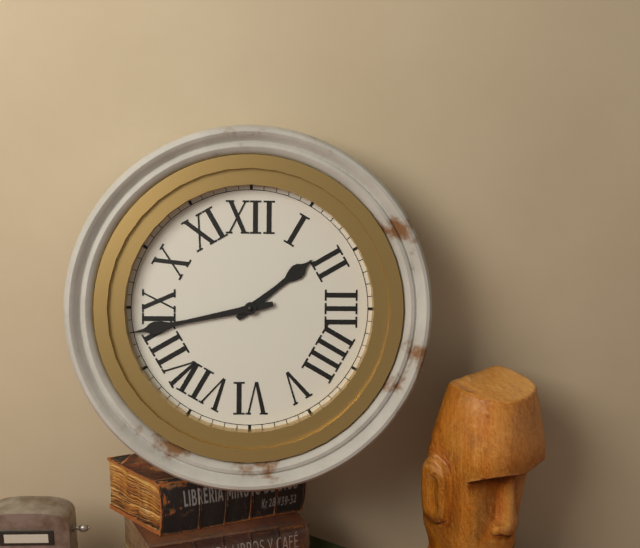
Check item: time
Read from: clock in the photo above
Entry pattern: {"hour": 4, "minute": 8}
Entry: {"hour": 1, "minute": 43}
